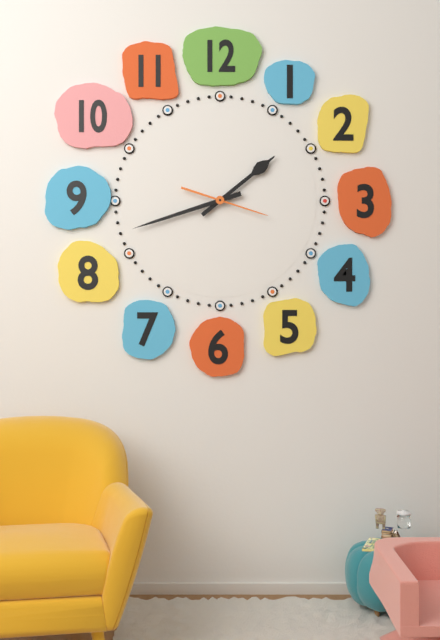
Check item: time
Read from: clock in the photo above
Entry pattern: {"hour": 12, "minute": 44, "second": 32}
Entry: {"hour": 1, "minute": 42, "second": 18}
